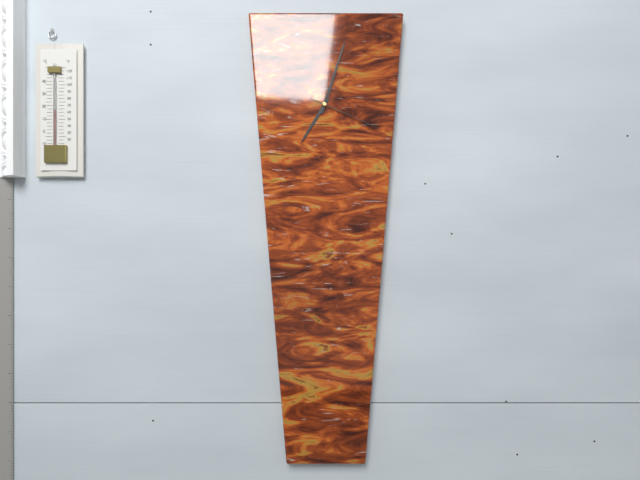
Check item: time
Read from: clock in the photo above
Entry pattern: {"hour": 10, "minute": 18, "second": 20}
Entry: {"hour": 7, "minute": 3, "second": 19}
